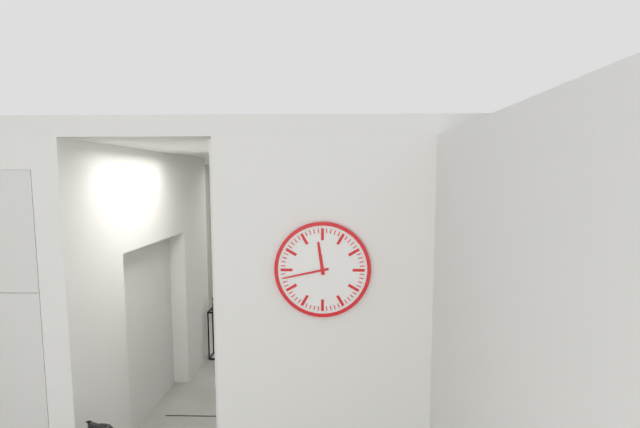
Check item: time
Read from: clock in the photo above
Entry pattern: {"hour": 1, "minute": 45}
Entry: {"hour": 11, "minute": 43}
